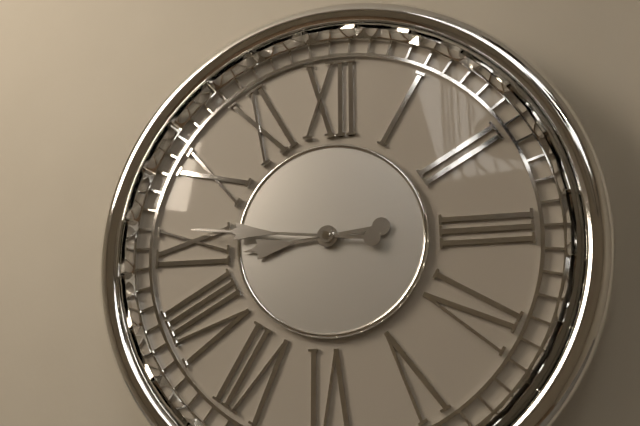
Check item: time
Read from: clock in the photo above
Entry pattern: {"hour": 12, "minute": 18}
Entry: {"hour": 8, "minute": 46}
